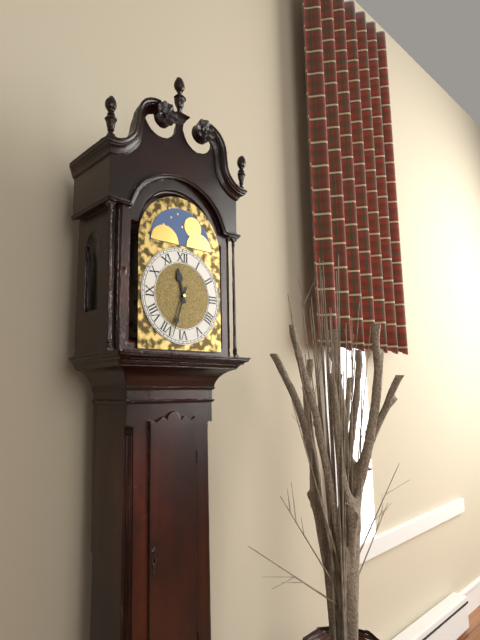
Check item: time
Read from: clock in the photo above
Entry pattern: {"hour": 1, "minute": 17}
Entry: {"hour": 11, "minute": 33}
